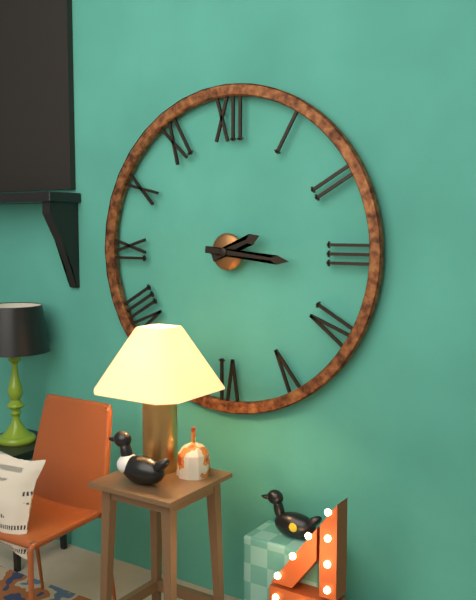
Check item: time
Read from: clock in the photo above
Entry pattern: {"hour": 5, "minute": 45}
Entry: {"hour": 2, "minute": 16}
